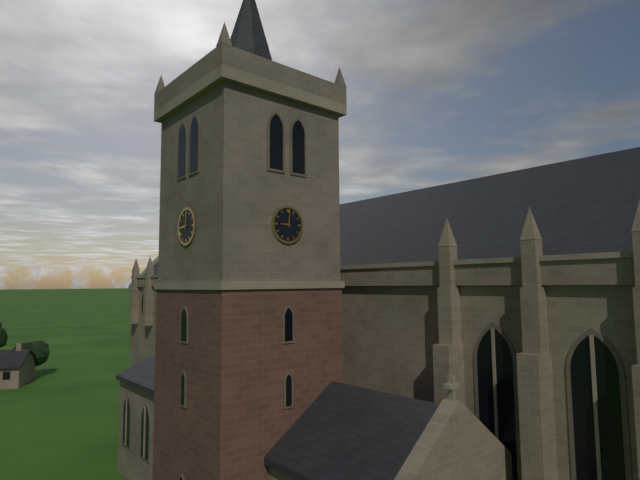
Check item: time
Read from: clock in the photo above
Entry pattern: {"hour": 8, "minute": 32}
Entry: {"hour": 9, "minute": 1}
